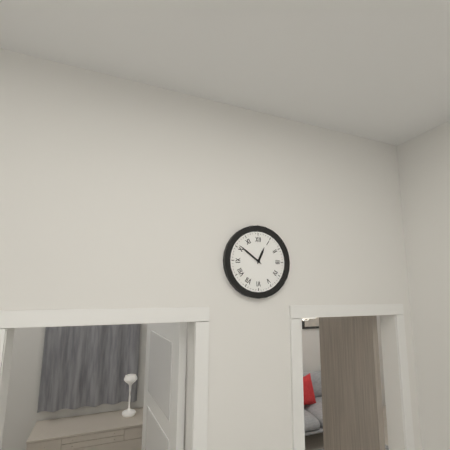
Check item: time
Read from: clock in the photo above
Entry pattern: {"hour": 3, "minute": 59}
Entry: {"hour": 12, "minute": 51}
